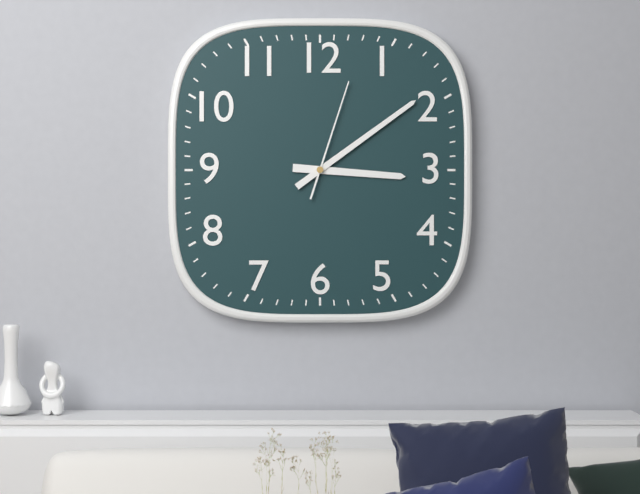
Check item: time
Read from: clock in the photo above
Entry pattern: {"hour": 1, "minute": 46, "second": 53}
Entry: {"hour": 3, "minute": 9, "second": 3}
